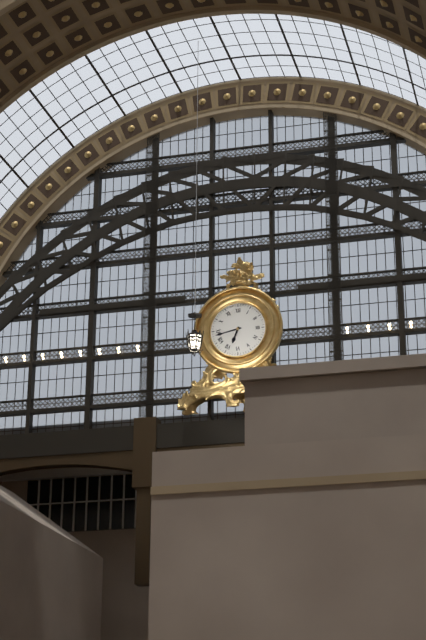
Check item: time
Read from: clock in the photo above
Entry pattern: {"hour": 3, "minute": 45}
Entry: {"hour": 6, "minute": 43}
